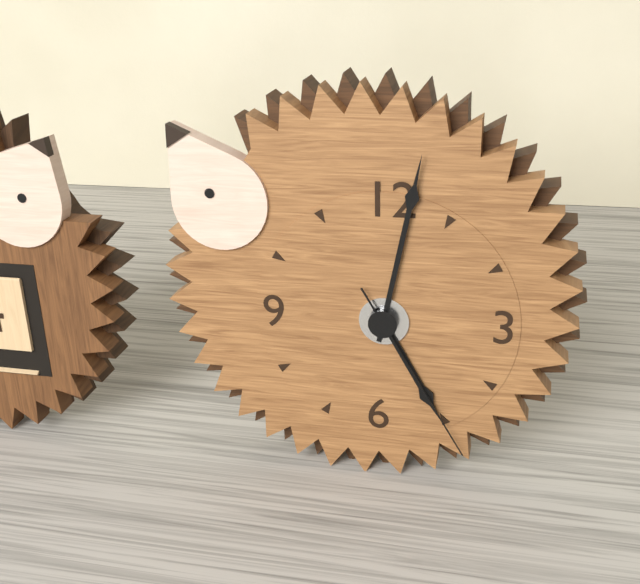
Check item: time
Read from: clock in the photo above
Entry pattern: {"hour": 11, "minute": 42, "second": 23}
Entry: {"hour": 5, "minute": 2, "second": 25}
